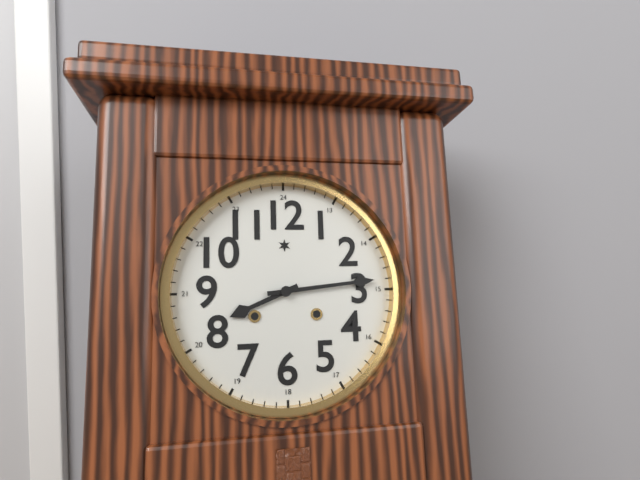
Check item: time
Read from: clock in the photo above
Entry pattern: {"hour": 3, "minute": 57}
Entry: {"hour": 8, "minute": 14}
